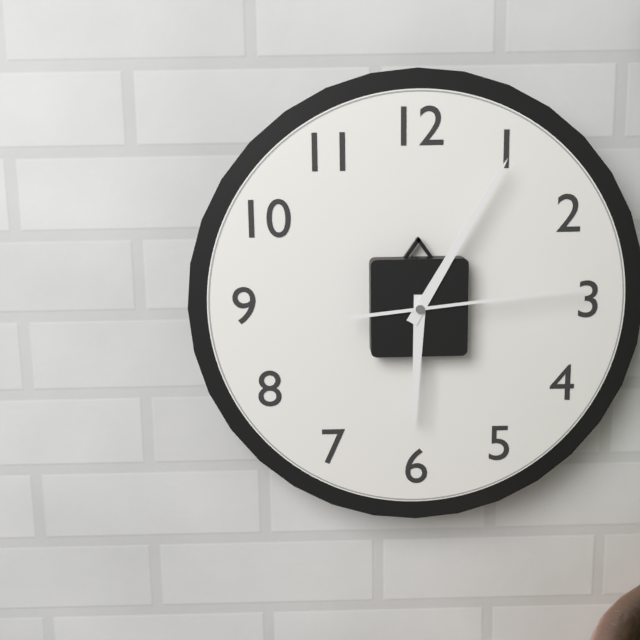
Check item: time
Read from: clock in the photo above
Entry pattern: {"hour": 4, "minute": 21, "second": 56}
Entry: {"hour": 6, "minute": 5, "second": 14}
